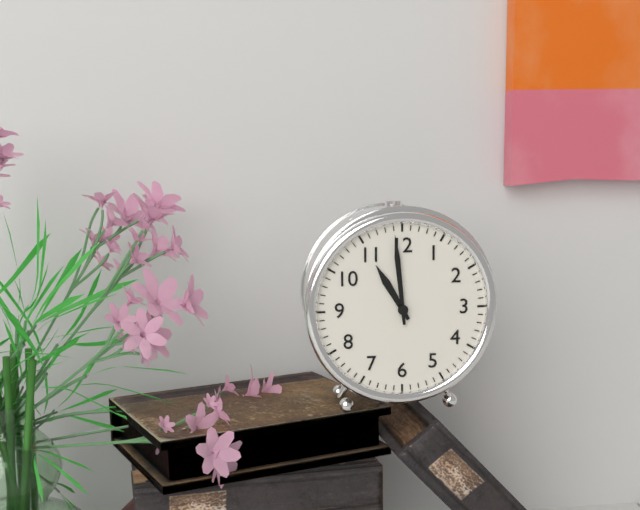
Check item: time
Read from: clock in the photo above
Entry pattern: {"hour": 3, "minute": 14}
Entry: {"hour": 10, "minute": 59}
